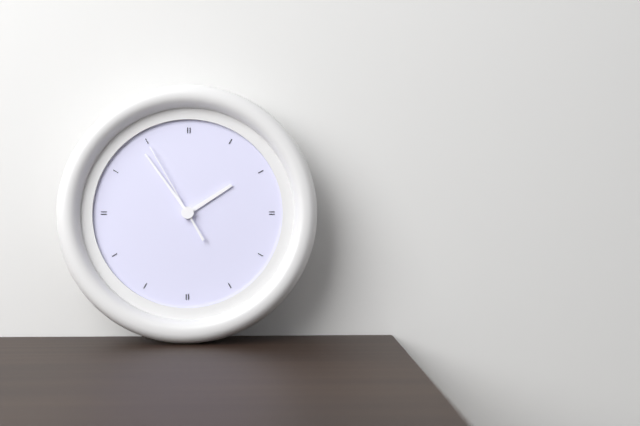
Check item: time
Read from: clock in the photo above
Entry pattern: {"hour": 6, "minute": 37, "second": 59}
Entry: {"hour": 1, "minute": 54, "second": 55}
